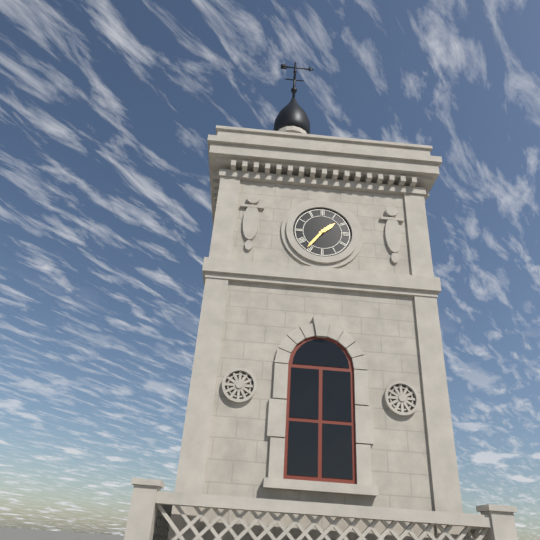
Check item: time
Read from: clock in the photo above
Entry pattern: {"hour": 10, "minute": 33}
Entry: {"hour": 1, "minute": 36}
